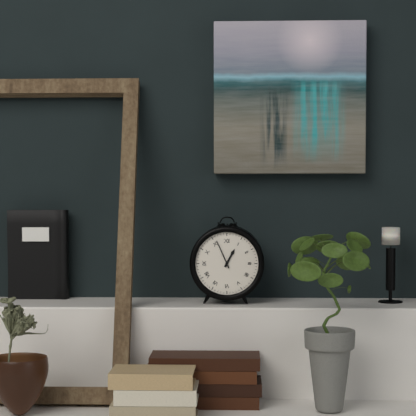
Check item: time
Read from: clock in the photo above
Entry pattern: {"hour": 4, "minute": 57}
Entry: {"hour": 12, "minute": 56}
